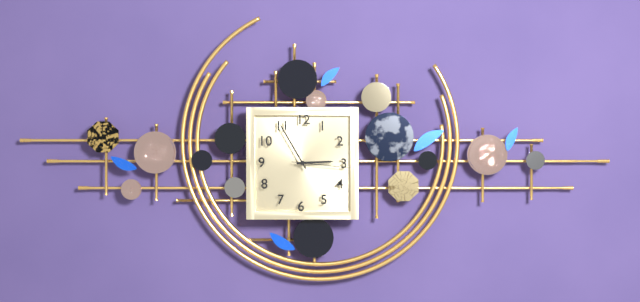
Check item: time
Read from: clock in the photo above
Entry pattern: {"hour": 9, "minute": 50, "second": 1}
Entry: {"hour": 2, "minute": 55, "second": 16}
